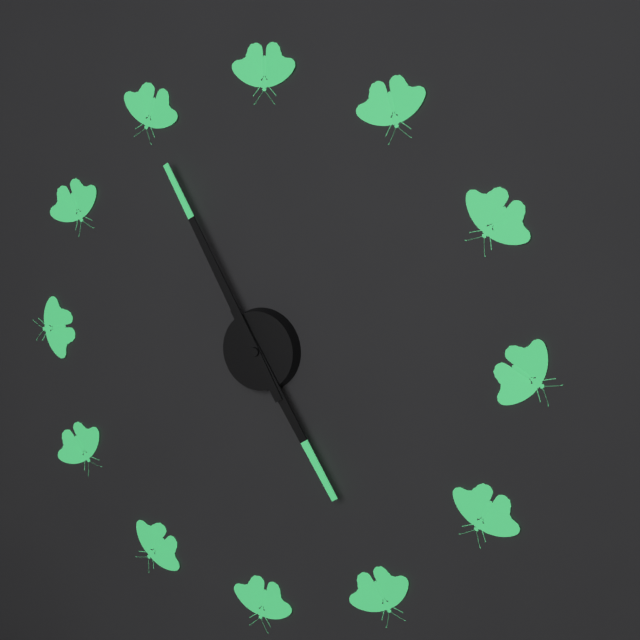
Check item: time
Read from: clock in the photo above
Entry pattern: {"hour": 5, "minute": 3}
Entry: {"hour": 4, "minute": 55}
